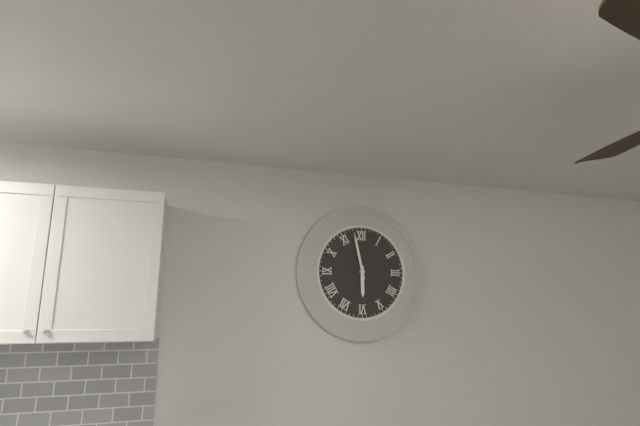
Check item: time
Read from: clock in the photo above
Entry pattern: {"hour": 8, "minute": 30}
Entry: {"hour": 5, "minute": 58}
